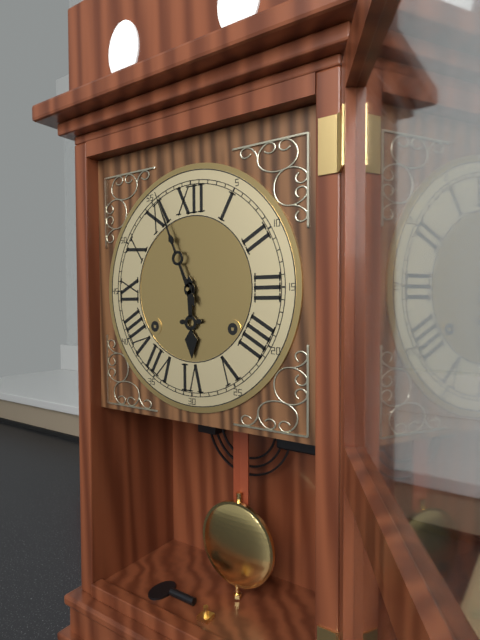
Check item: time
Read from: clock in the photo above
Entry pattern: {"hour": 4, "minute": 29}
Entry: {"hour": 5, "minute": 56}
